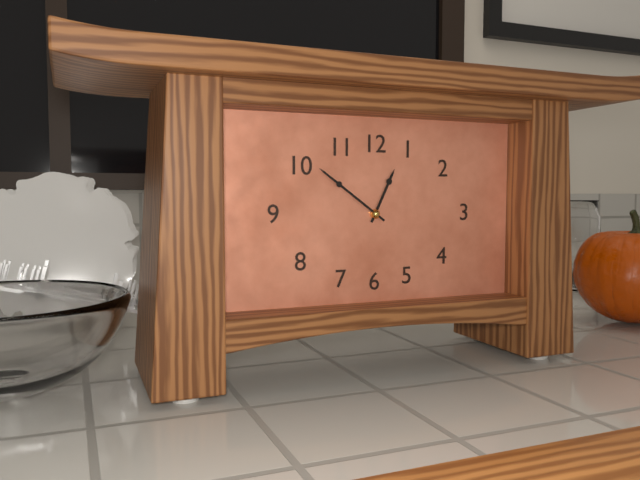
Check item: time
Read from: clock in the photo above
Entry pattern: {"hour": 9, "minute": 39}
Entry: {"hour": 12, "minute": 51}
